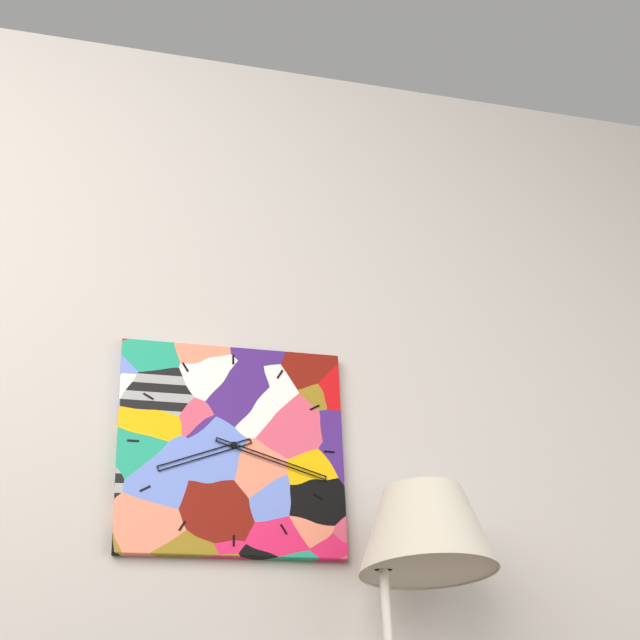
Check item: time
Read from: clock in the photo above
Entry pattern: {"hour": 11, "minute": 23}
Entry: {"hour": 8, "minute": 18}
